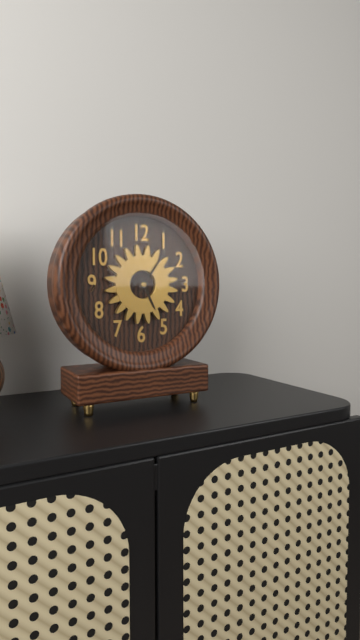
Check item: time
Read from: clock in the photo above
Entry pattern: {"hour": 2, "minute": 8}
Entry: {"hour": 5, "minute": 6}
